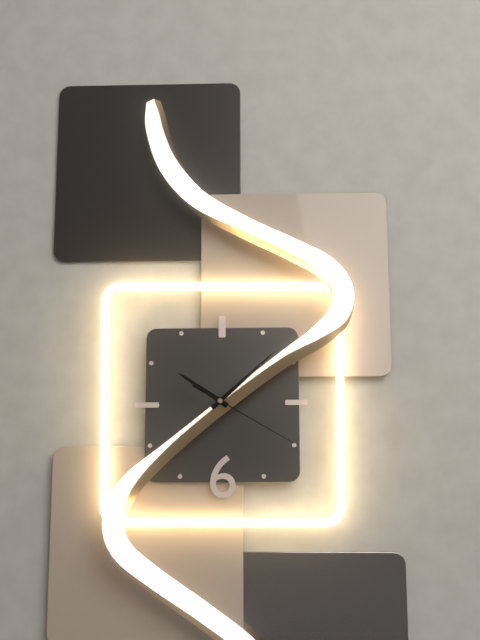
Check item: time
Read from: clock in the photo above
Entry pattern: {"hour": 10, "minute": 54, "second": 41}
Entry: {"hour": 10, "minute": 8, "second": 20}
